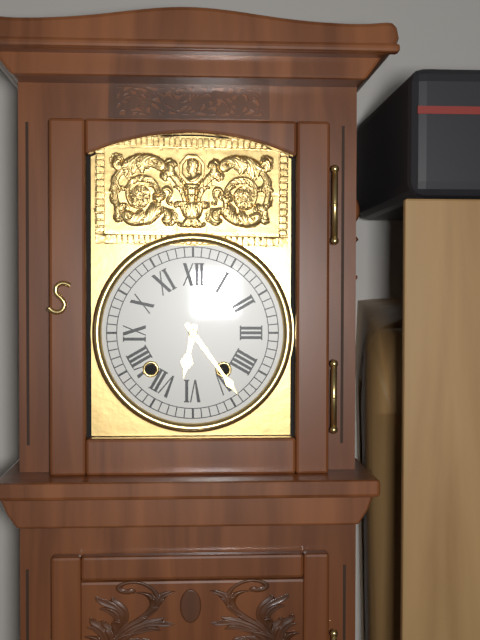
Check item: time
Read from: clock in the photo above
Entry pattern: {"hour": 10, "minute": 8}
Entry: {"hour": 6, "minute": 24}
